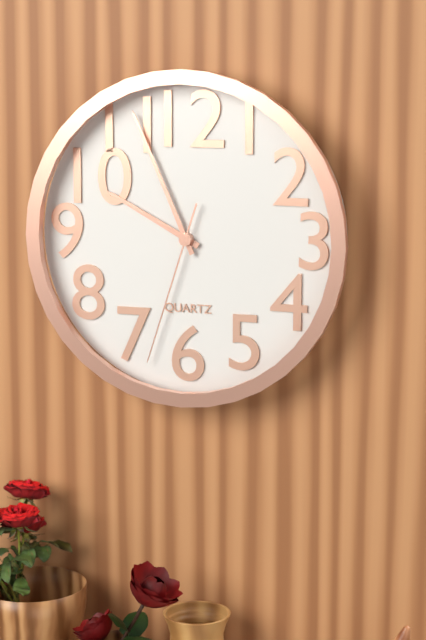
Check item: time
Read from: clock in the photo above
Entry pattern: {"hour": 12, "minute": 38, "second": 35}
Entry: {"hour": 9, "minute": 56, "second": 33}
